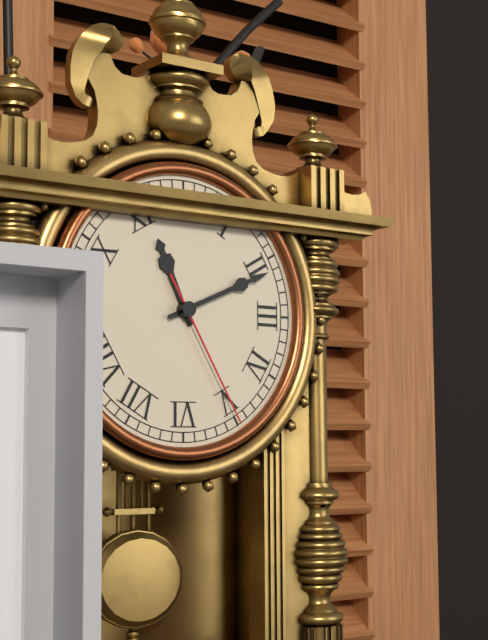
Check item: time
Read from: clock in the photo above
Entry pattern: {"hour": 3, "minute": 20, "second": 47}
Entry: {"hour": 11, "minute": 11, "second": 25}
